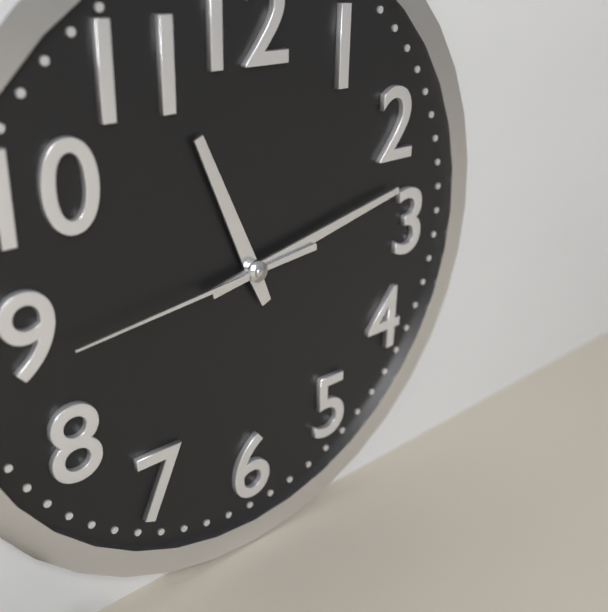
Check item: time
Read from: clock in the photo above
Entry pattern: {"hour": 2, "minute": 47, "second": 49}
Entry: {"hour": 11, "minute": 13, "second": 44}
